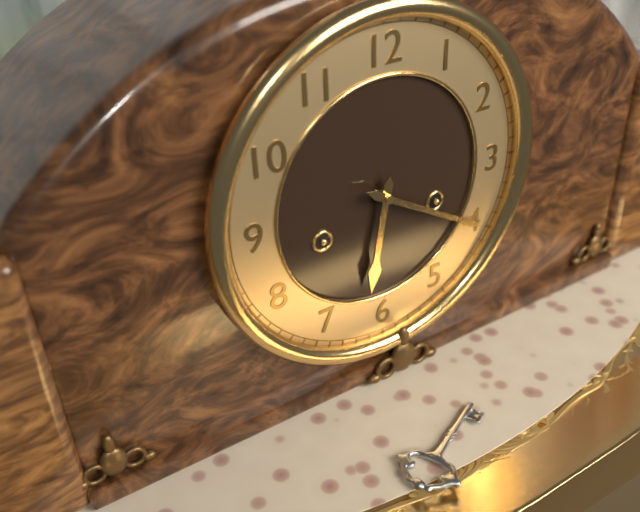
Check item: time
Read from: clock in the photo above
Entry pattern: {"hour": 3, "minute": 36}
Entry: {"hour": 6, "minute": 20}
